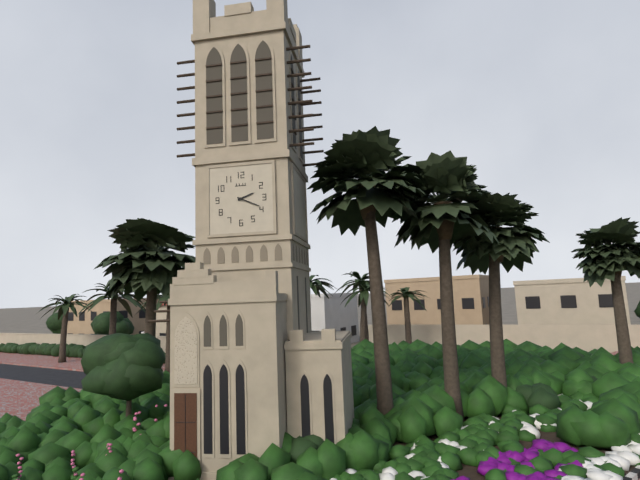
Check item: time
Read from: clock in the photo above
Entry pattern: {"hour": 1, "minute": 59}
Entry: {"hour": 2, "minute": 19}
